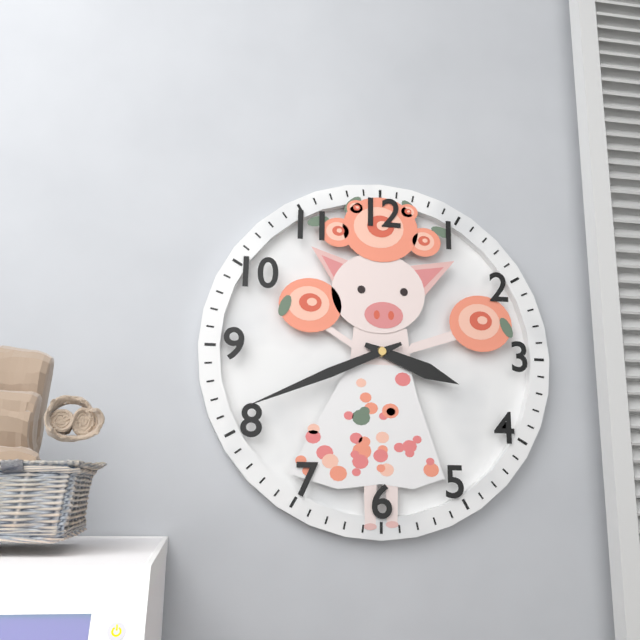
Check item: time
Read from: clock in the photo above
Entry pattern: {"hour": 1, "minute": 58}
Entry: {"hour": 3, "minute": 41}
